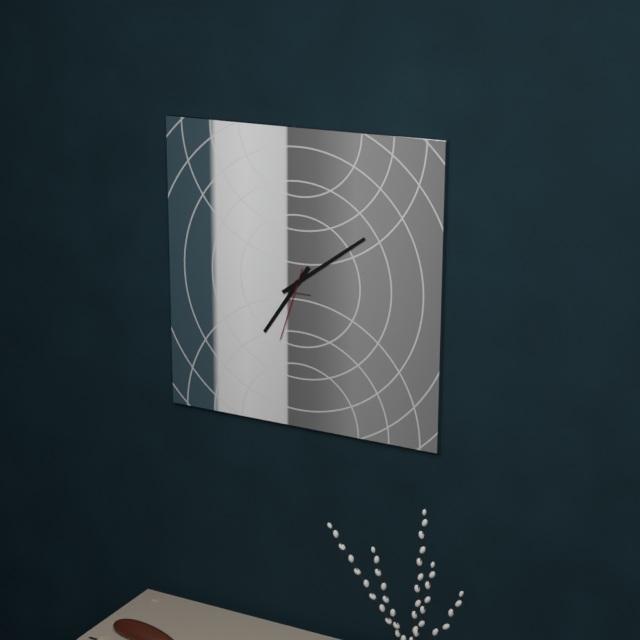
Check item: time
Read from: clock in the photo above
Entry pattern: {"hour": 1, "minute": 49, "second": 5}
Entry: {"hour": 7, "minute": 9, "second": 33}
